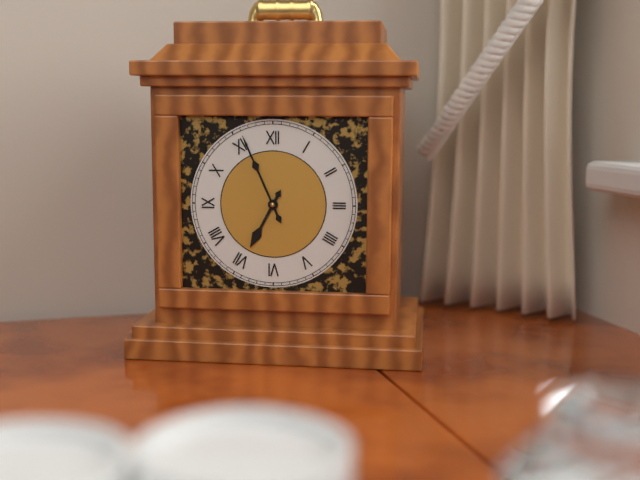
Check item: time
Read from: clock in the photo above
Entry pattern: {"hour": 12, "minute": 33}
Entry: {"hour": 6, "minute": 56}
